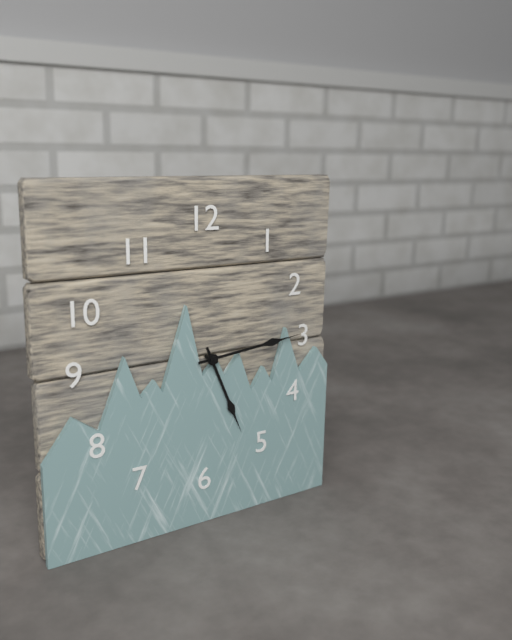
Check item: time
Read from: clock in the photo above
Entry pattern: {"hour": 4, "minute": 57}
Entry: {"hour": 5, "minute": 14}
